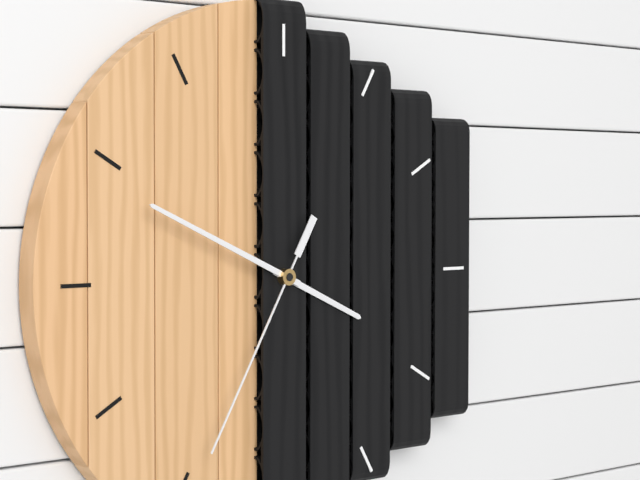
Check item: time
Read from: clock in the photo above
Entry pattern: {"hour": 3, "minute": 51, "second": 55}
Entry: {"hour": 3, "minute": 49, "second": 35}
